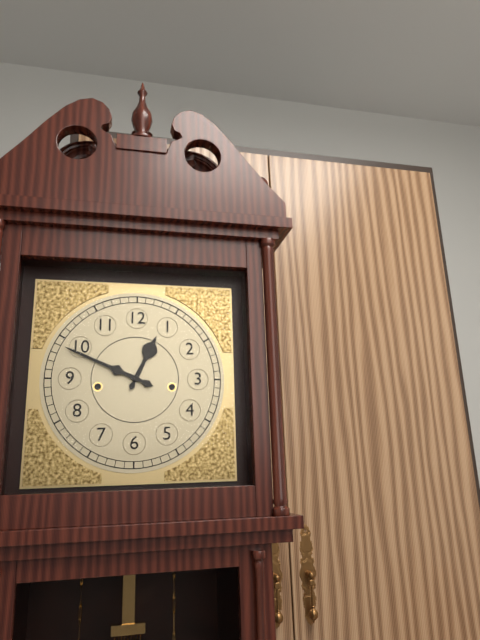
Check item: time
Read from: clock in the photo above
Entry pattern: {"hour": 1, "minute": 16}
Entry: {"hour": 12, "minute": 49}
